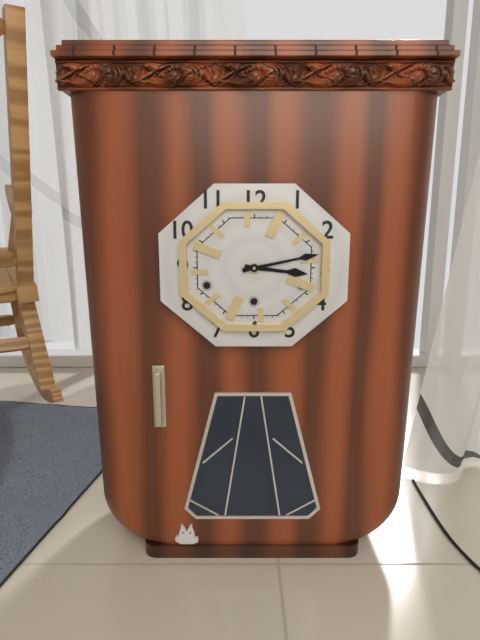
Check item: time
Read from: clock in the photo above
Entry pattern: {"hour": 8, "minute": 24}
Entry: {"hour": 3, "minute": 13}
